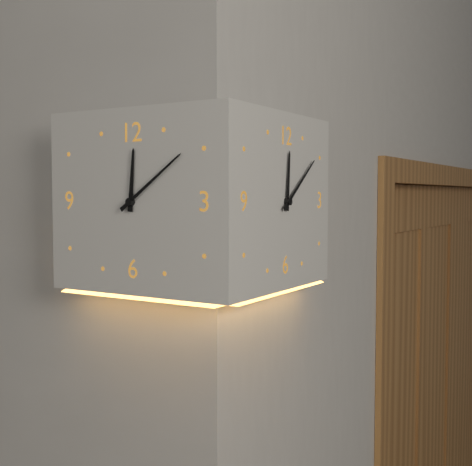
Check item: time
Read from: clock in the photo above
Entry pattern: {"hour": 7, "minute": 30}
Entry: {"hour": 12, "minute": 9}
